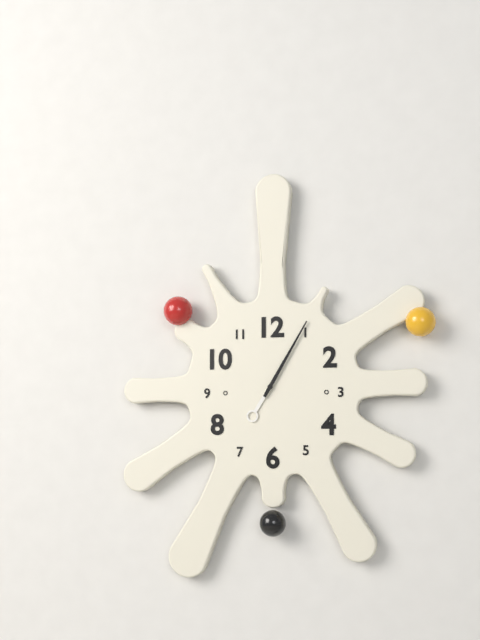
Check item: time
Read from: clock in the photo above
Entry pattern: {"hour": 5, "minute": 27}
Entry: {"hour": 7, "minute": 5}
